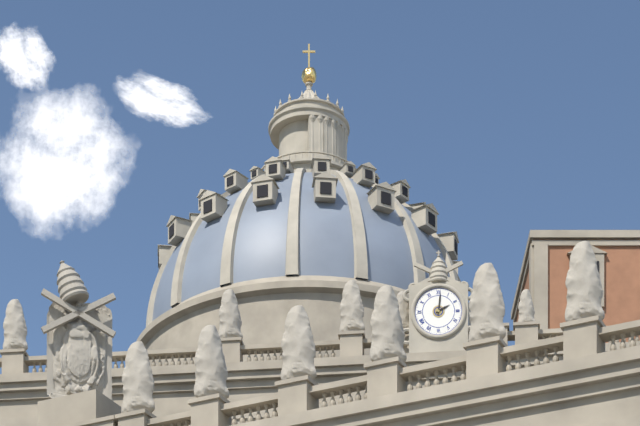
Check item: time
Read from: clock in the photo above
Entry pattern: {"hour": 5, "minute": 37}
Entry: {"hour": 2, "minute": 1}
